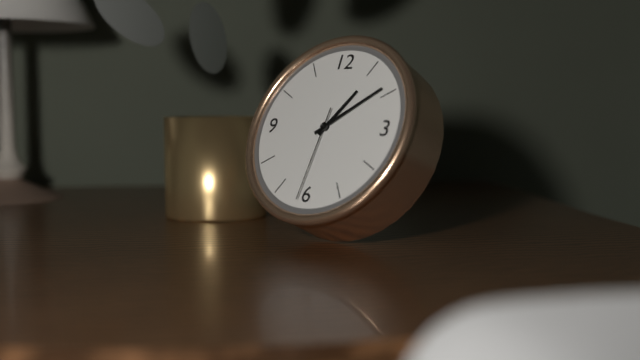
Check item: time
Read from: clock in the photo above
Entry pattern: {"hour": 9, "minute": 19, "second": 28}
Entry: {"hour": 1, "minute": 9, "second": 31}
